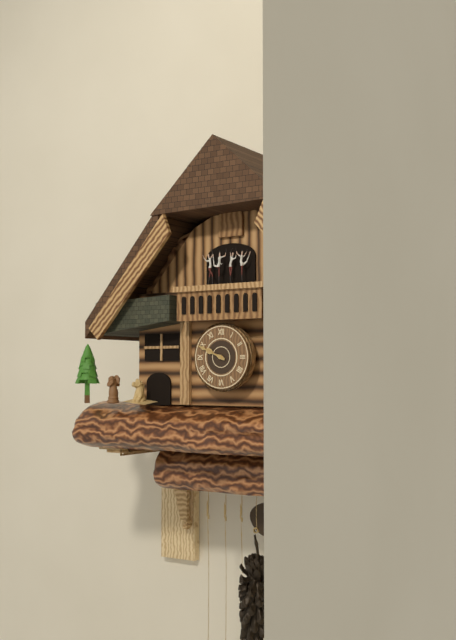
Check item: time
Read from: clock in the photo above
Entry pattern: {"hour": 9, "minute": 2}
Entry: {"hour": 9, "minute": 49}
